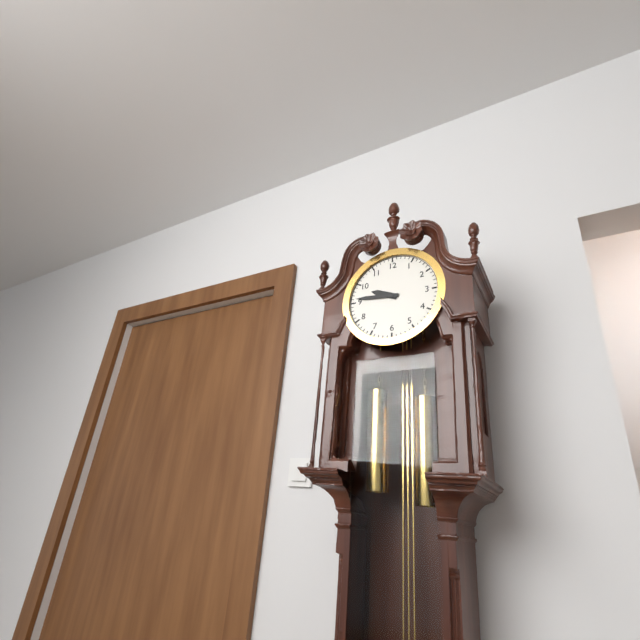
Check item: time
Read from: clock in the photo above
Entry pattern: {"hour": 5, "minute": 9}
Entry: {"hour": 9, "minute": 46}
